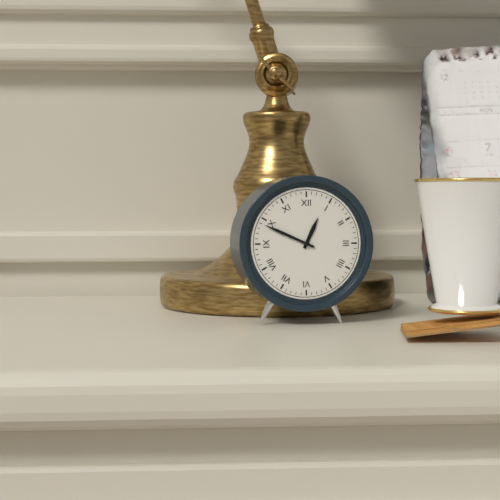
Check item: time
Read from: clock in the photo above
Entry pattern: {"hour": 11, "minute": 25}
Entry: {"hour": 12, "minute": 49}
